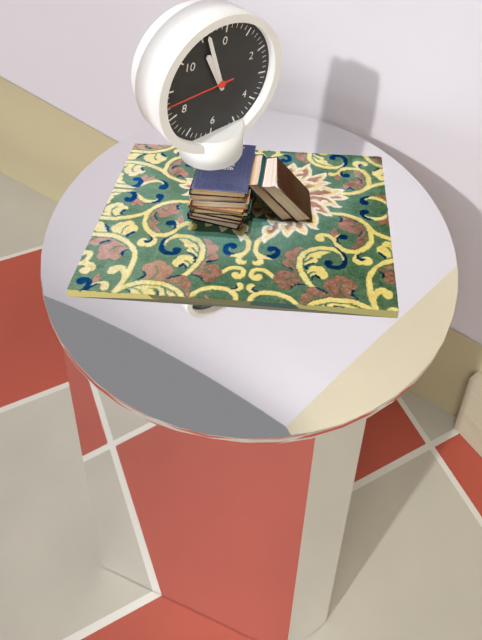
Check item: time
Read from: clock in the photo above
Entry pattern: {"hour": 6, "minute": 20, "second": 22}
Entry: {"hour": 10, "minute": 56, "second": 43}
